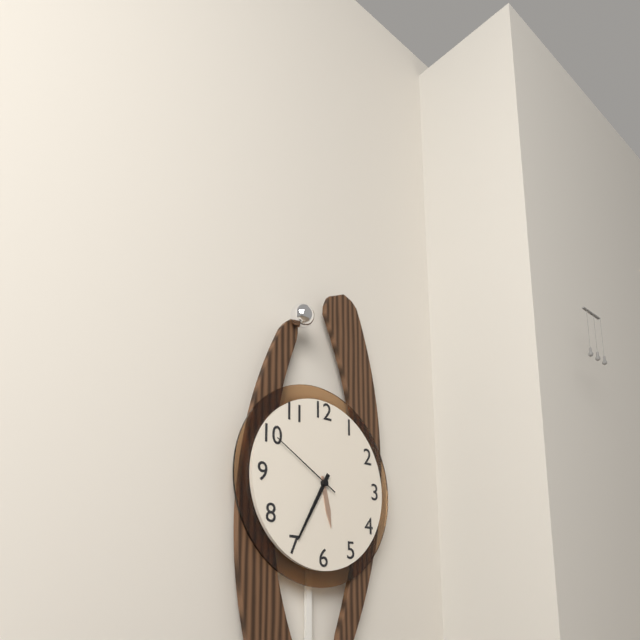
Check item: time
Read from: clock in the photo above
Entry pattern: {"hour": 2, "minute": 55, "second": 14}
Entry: {"hour": 5, "minute": 35, "second": 50}
